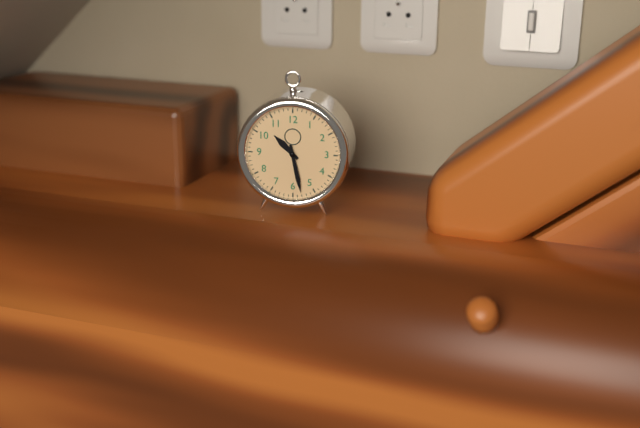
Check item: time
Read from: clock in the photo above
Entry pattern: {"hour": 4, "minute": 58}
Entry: {"hour": 10, "minute": 28}
